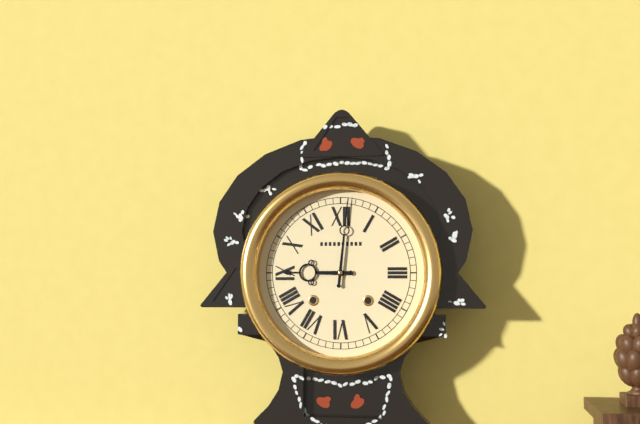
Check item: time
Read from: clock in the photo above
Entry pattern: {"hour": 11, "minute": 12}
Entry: {"hour": 9, "minute": 1}
